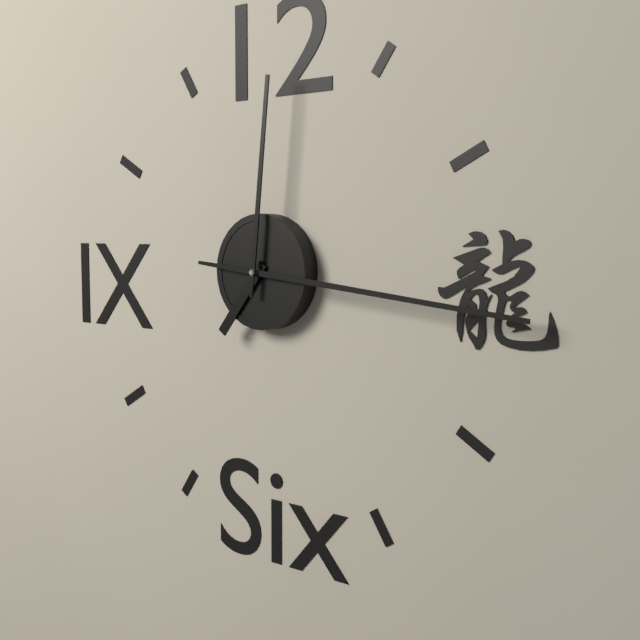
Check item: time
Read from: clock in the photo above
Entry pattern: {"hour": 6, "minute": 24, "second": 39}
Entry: {"hour": 7, "minute": 16, "second": 1}
